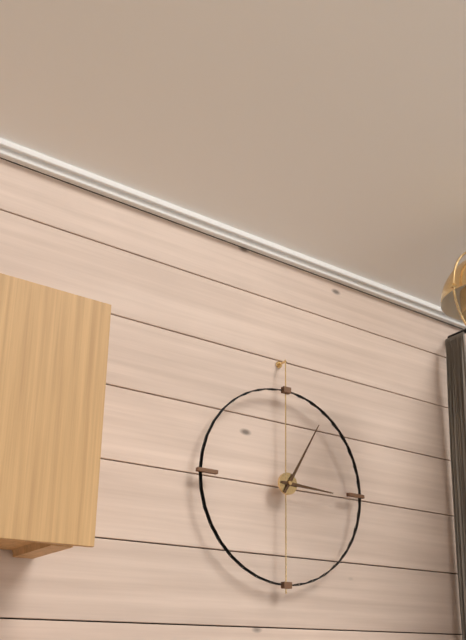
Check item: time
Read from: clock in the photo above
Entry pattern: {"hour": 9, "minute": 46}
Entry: {"hour": 3, "minute": 5}
